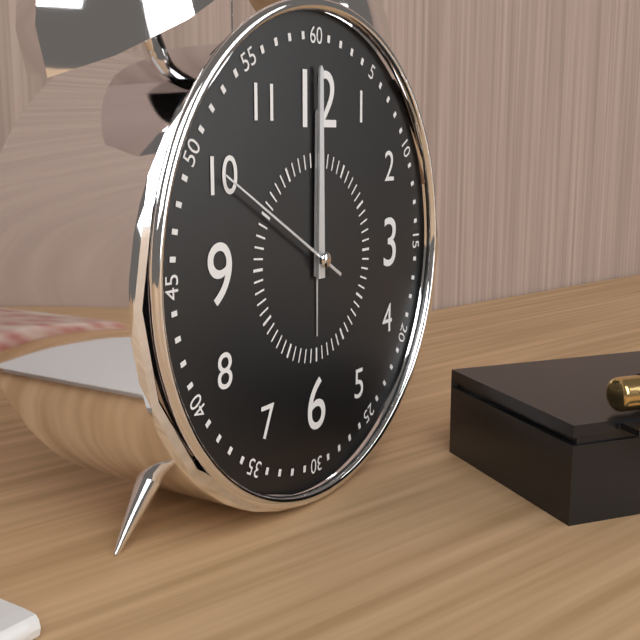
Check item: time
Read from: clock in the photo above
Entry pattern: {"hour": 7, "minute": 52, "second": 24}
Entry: {"hour": 12, "minute": 0, "second": 50}
